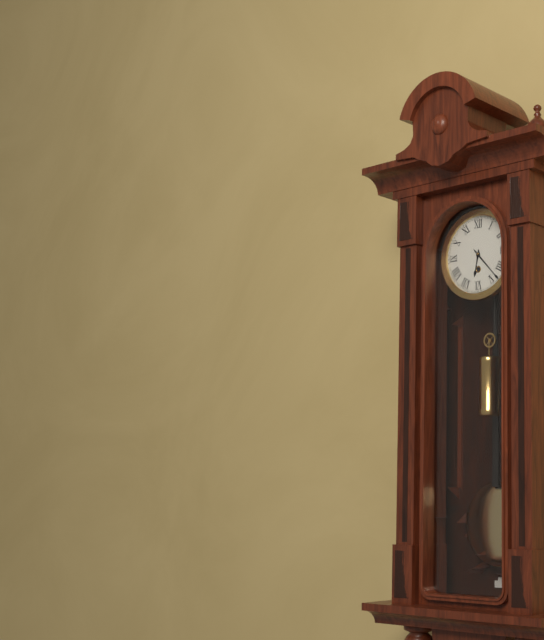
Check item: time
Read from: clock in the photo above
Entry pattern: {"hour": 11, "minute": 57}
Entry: {"hour": 6, "minute": 23}
